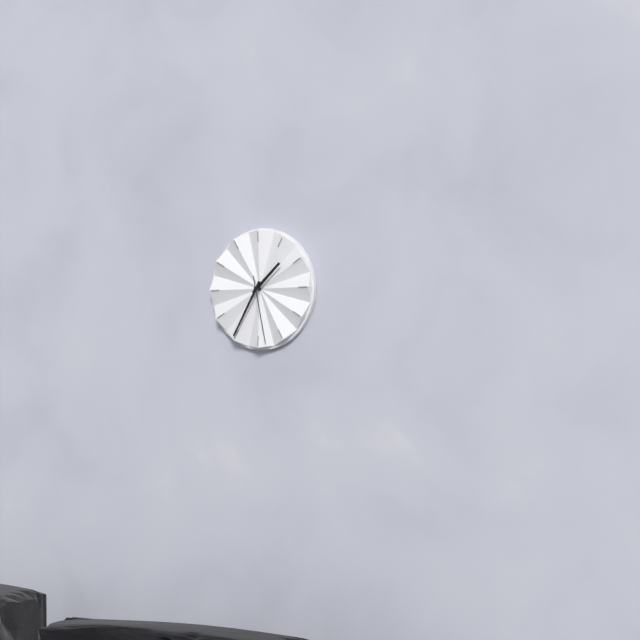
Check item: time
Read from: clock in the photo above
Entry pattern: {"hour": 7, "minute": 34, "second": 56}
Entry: {"hour": 1, "minute": 35, "second": 28}
